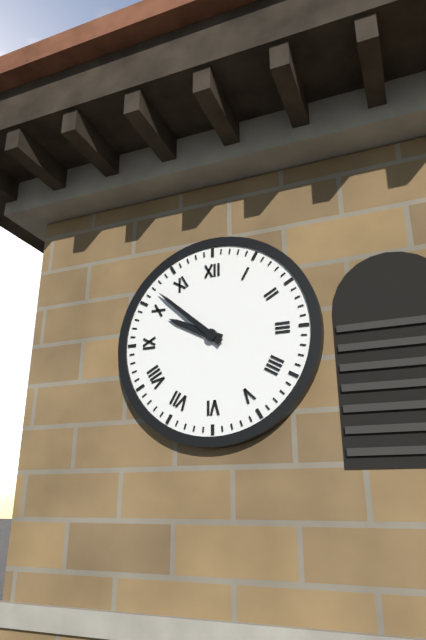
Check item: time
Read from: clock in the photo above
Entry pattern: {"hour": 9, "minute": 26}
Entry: {"hour": 9, "minute": 52}
